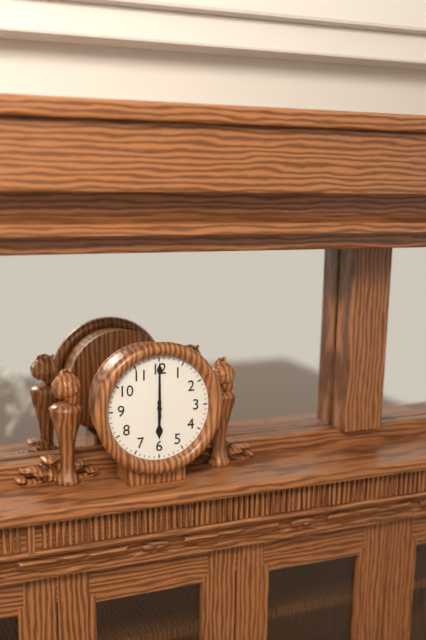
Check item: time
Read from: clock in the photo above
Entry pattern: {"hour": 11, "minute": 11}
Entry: {"hour": 6, "minute": 0}
